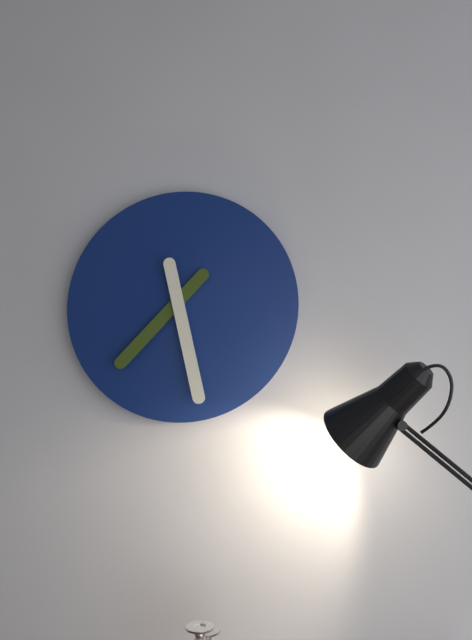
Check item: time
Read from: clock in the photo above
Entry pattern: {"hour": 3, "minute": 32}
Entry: {"hour": 7, "minute": 28}
